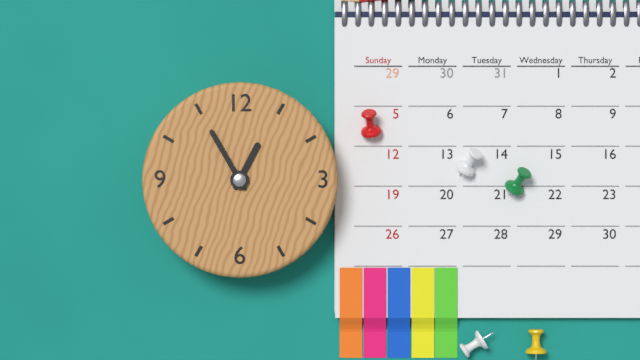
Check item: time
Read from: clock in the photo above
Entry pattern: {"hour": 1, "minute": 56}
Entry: {"hour": 12, "minute": 55}
